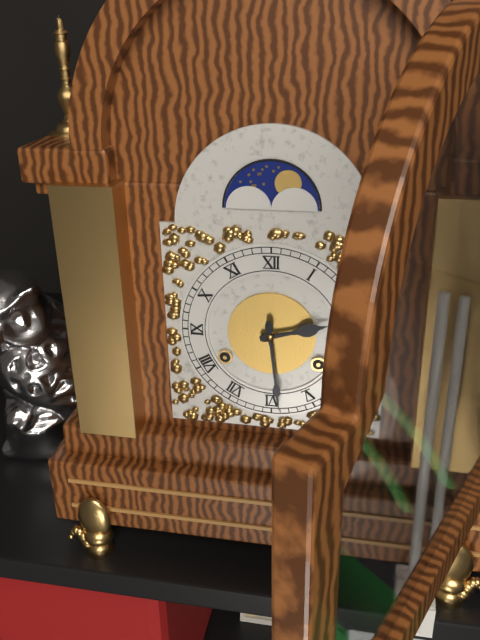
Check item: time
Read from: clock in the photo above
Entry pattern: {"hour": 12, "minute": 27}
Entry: {"hour": 2, "minute": 29}
